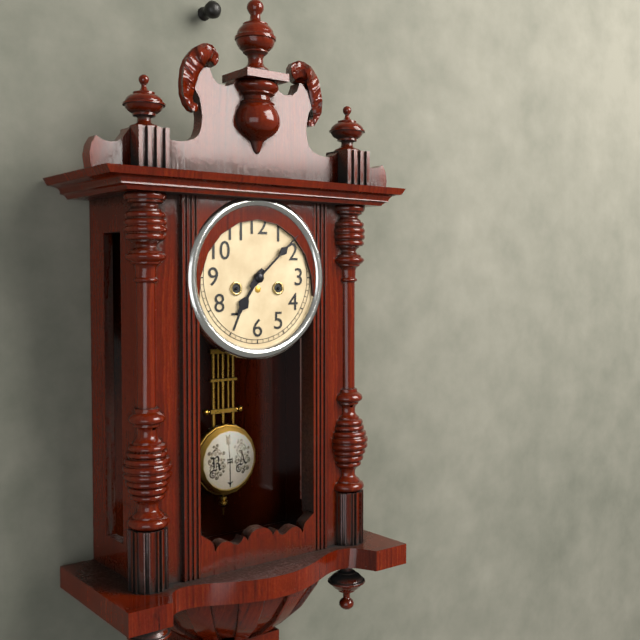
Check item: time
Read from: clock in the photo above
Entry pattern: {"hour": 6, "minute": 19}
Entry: {"hour": 7, "minute": 8}
